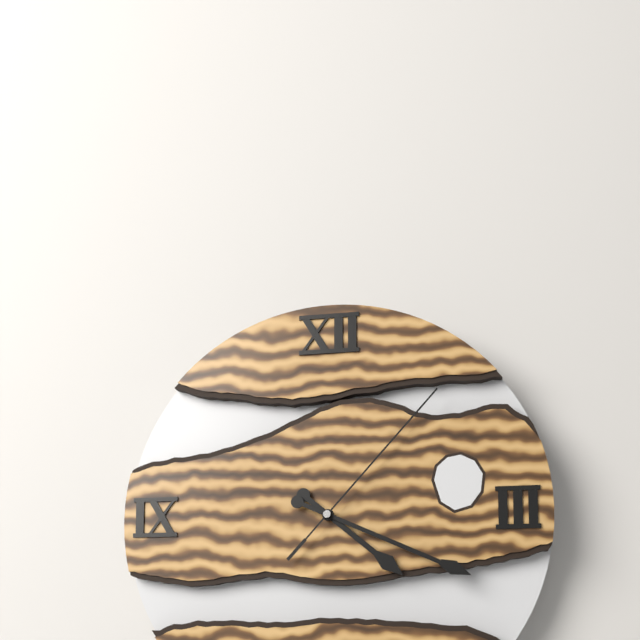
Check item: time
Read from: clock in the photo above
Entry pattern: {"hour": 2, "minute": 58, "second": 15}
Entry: {"hour": 4, "minute": 19, "second": 7}
